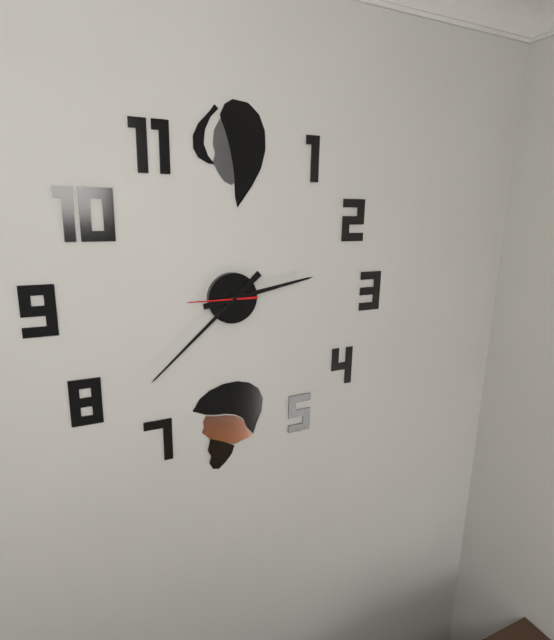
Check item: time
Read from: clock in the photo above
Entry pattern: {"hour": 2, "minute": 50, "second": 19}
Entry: {"hour": 2, "minute": 38, "second": 45}
